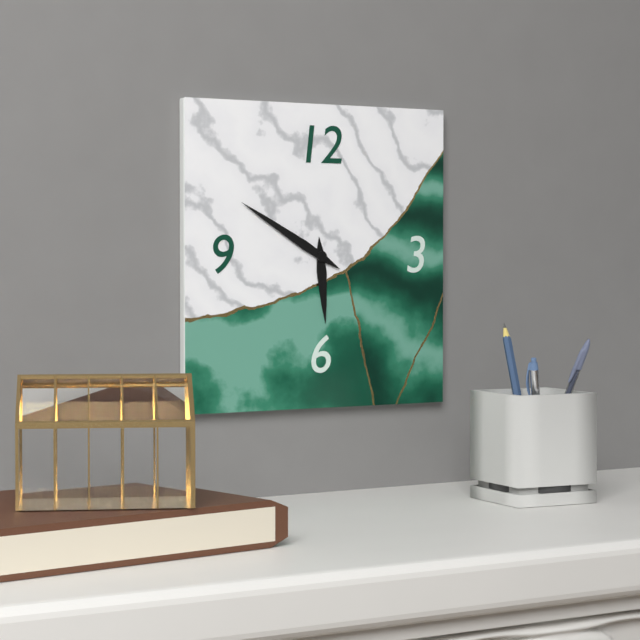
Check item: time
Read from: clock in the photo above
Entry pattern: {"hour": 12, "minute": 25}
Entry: {"hour": 5, "minute": 50}
